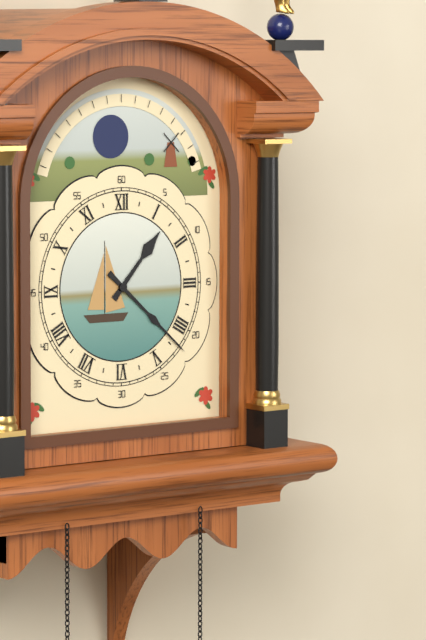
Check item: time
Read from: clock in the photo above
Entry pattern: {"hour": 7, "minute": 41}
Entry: {"hour": 1, "minute": 22}
